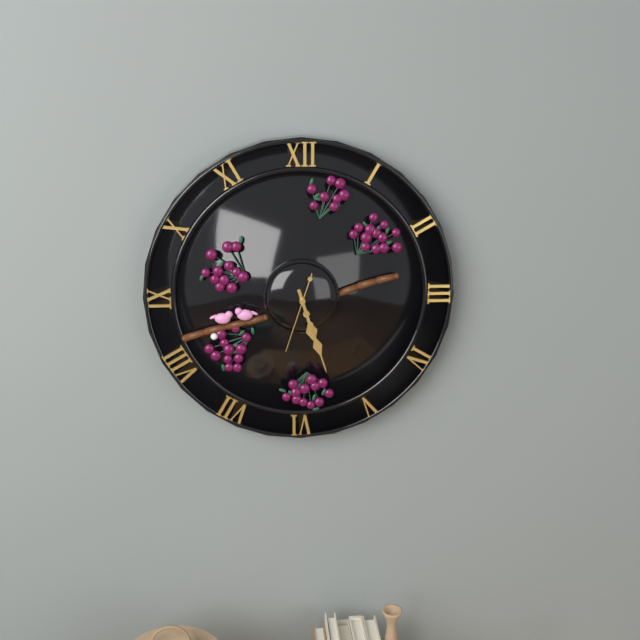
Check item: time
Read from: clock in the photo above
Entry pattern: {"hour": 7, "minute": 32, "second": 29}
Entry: {"hour": 5, "minute": 27, "second": 33}
